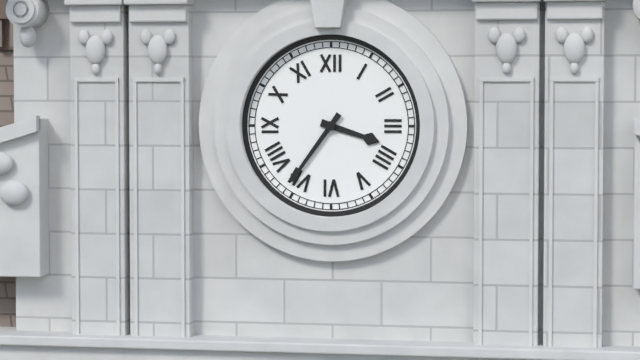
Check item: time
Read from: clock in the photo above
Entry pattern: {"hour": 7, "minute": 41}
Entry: {"hour": 3, "minute": 36}
